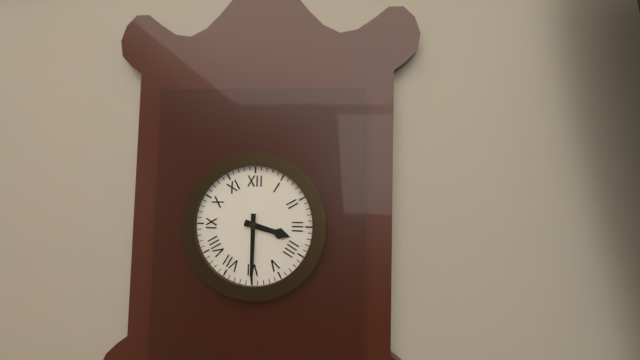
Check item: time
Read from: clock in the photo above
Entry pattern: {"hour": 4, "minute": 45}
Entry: {"hour": 3, "minute": 30}
